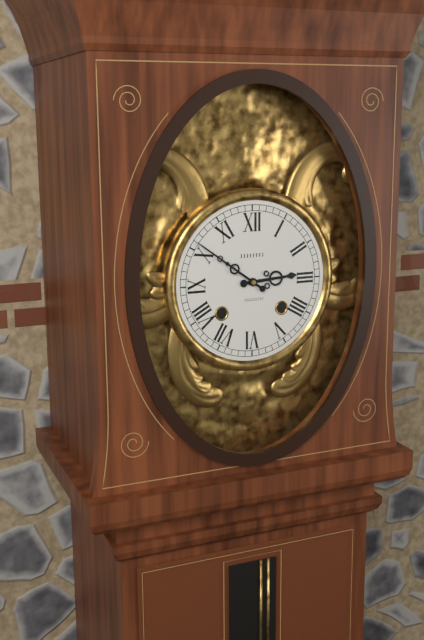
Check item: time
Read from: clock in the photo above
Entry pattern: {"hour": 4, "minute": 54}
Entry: {"hour": 2, "minute": 51}
